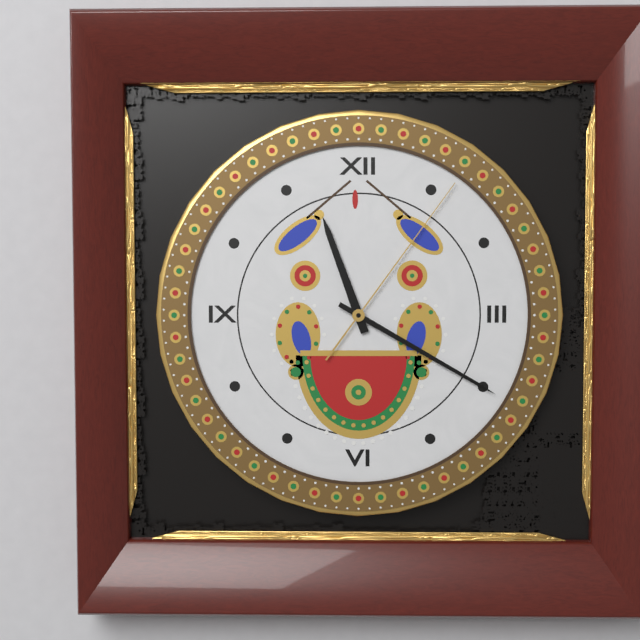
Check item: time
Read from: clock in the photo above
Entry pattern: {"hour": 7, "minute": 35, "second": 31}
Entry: {"hour": 11, "minute": 20, "second": 6}
